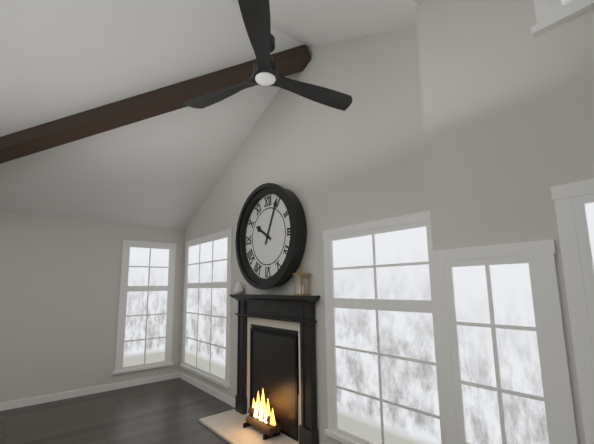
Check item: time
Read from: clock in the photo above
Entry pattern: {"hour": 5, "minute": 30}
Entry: {"hour": 10, "minute": 4}
